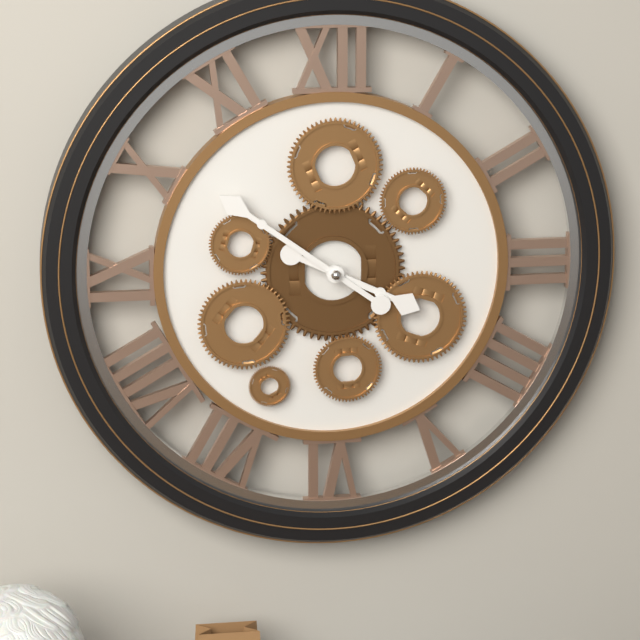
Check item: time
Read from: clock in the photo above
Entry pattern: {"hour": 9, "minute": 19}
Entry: {"hour": 3, "minute": 51}
